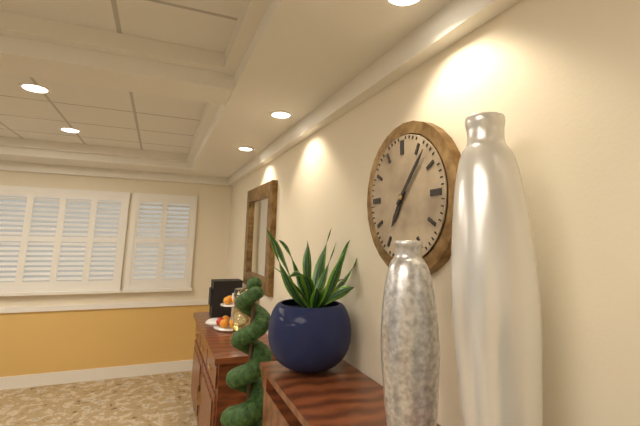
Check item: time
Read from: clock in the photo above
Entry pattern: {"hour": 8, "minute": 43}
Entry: {"hour": 7, "minute": 7}
